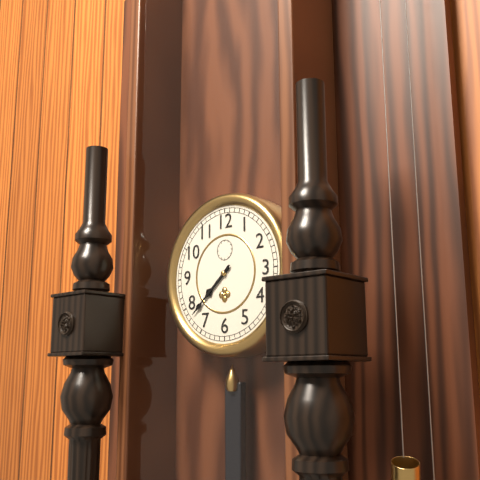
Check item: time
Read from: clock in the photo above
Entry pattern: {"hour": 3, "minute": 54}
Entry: {"hour": 7, "minute": 38}
